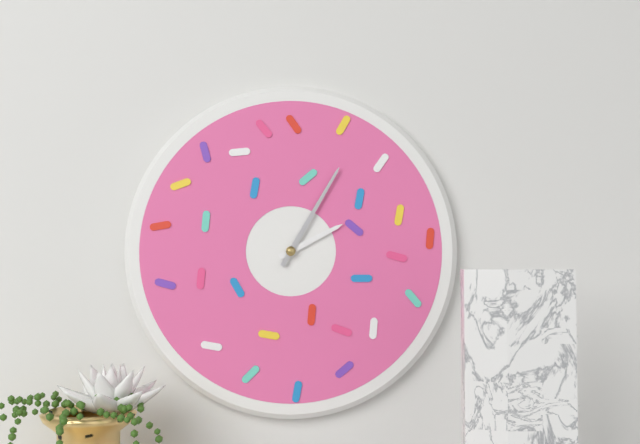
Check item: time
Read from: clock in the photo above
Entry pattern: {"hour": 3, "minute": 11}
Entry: {"hour": 2, "minute": 5}
